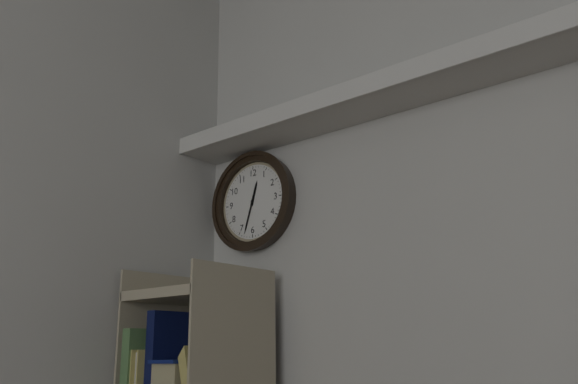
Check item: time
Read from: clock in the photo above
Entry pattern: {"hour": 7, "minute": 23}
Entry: {"hour": 12, "minute": 33}
